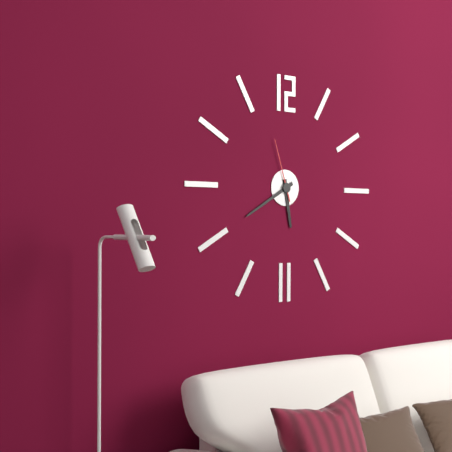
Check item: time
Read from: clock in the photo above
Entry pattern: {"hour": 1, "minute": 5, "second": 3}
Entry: {"hour": 5, "minute": 40, "second": 57}
